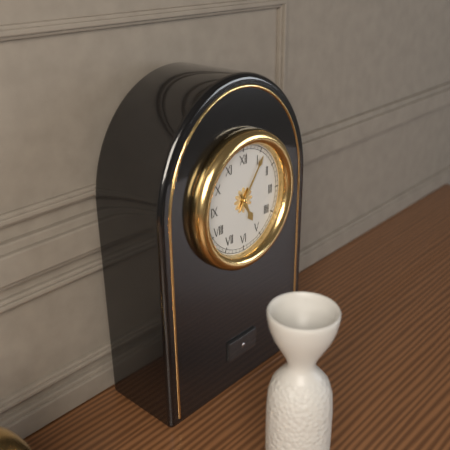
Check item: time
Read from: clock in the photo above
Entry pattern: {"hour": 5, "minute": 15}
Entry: {"hour": 5, "minute": 6}
